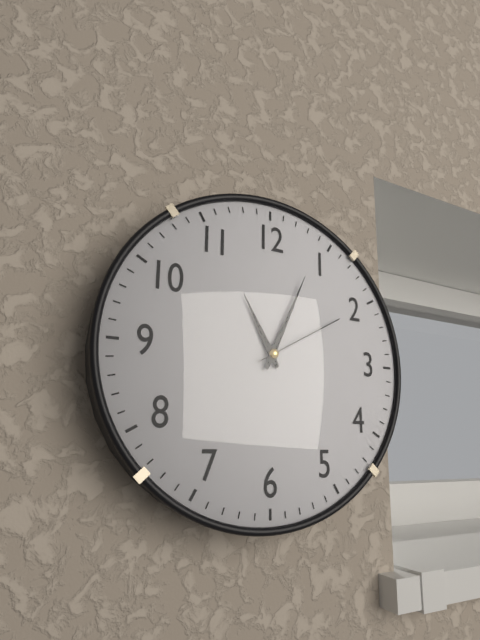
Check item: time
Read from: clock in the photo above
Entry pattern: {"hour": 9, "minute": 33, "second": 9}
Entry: {"hour": 11, "minute": 4, "second": 10}
